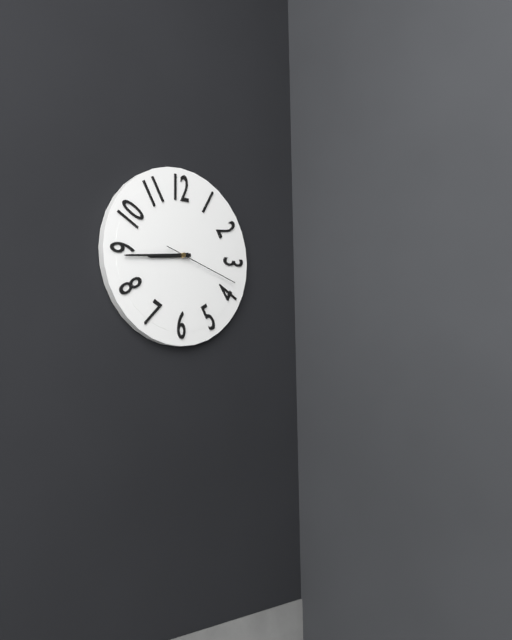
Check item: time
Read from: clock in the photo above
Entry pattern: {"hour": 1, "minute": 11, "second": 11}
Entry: {"hour": 8, "minute": 44, "second": 18}
